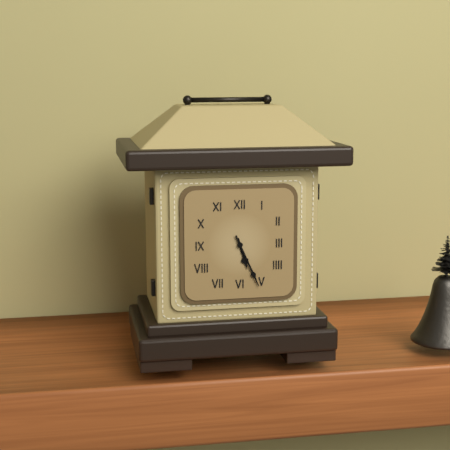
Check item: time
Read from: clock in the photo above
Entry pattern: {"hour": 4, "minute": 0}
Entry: {"hour": 5, "minute": 26}
